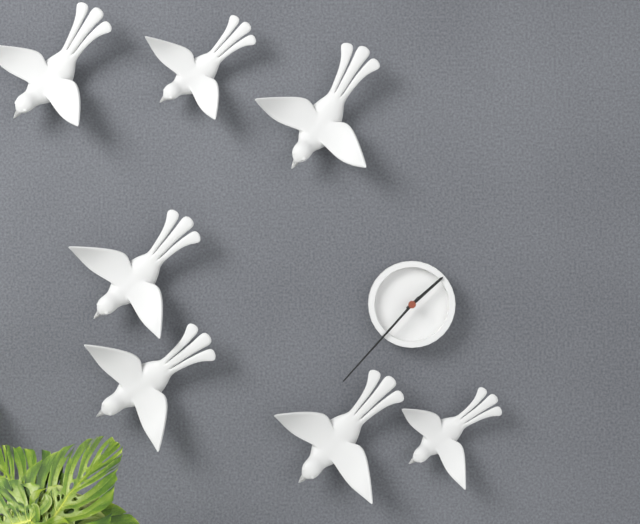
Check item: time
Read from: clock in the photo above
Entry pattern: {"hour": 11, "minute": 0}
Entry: {"hour": 1, "minute": 37}
